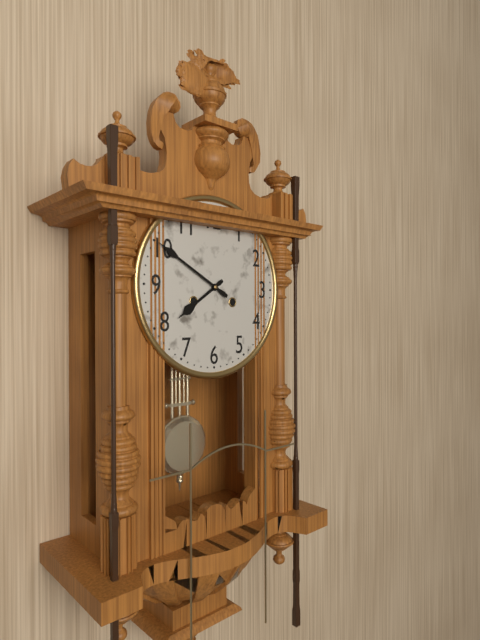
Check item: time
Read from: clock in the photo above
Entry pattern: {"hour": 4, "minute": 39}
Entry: {"hour": 7, "minute": 50}
